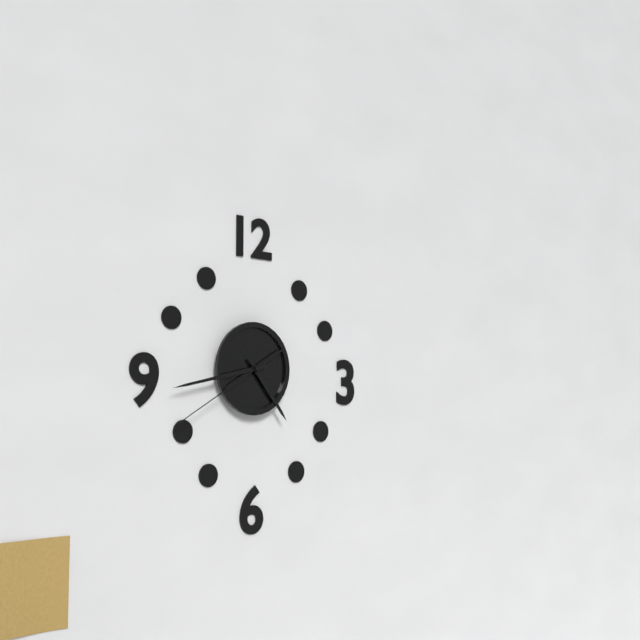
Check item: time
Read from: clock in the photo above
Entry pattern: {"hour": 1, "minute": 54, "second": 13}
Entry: {"hour": 4, "minute": 43, "second": 40}
